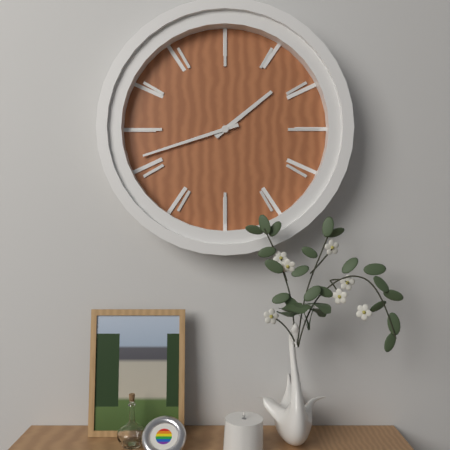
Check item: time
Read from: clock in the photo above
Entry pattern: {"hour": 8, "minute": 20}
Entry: {"hour": 1, "minute": 42}
